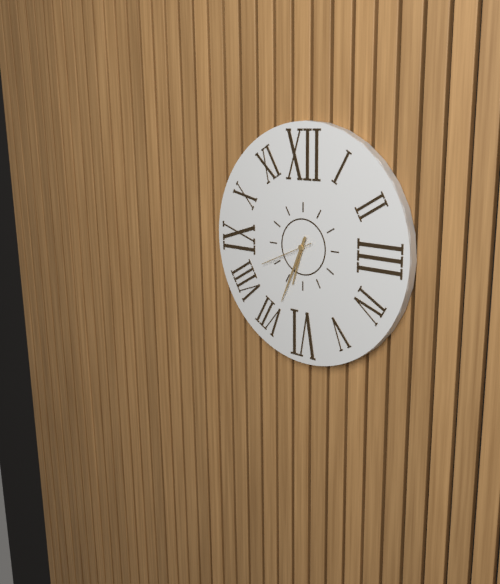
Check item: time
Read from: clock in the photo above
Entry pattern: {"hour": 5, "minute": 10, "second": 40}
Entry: {"hour": 6, "minute": 34, "second": 41}
